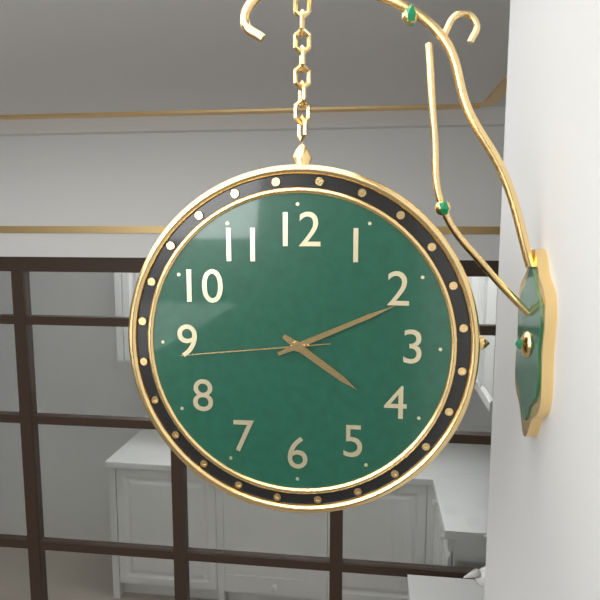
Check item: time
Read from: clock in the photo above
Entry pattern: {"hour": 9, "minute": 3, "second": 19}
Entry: {"hour": 4, "minute": 11, "second": 44}
